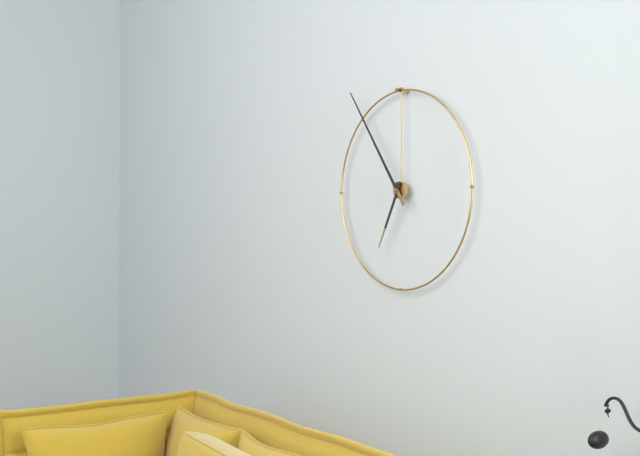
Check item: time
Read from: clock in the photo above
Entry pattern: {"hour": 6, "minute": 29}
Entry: {"hour": 6, "minute": 54}
